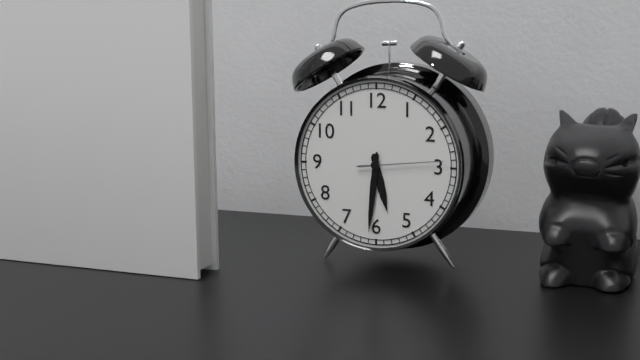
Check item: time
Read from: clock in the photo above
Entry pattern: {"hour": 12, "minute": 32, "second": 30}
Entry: {"hour": 5, "minute": 31, "second": 14}
